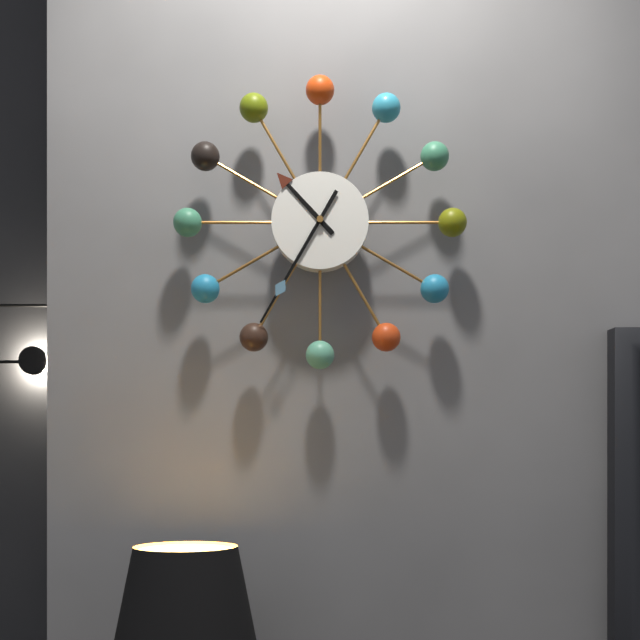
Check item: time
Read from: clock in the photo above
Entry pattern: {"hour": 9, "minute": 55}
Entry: {"hour": 10, "minute": 35}
